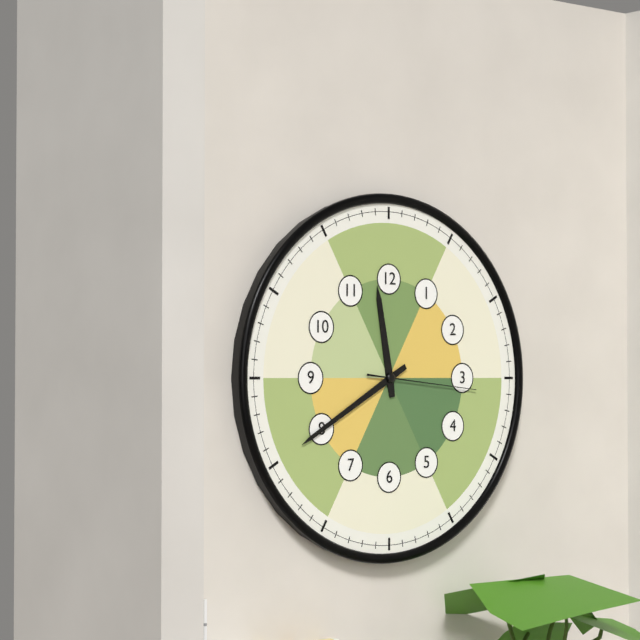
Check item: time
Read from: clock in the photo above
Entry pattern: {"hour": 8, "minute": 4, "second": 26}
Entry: {"hour": 11, "minute": 40, "second": 16}
